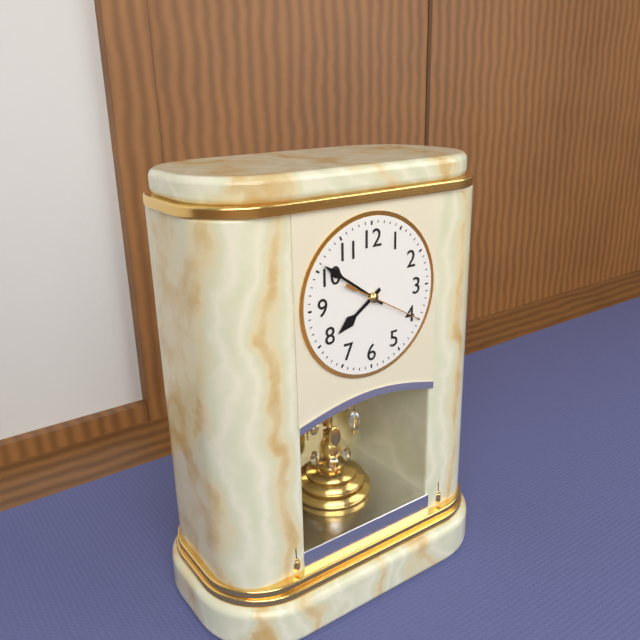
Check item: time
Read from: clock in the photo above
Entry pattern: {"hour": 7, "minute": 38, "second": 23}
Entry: {"hour": 7, "minute": 51, "second": 20}
